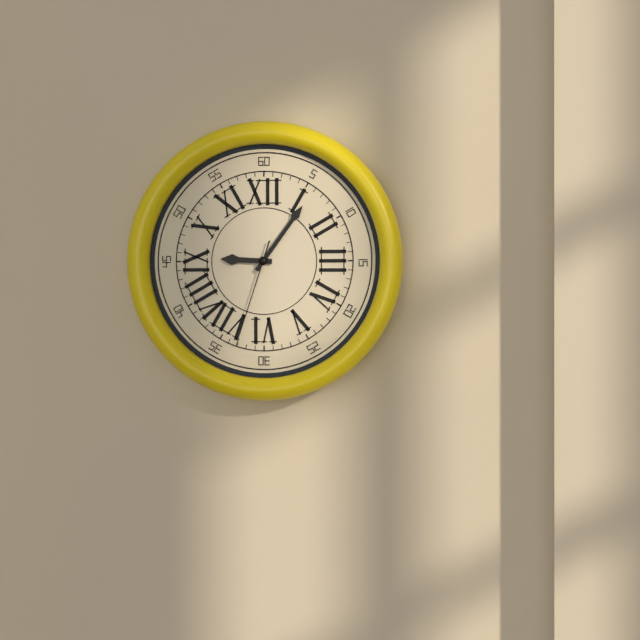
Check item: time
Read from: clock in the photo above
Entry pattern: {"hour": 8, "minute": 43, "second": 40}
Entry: {"hour": 9, "minute": 6, "second": 33}
